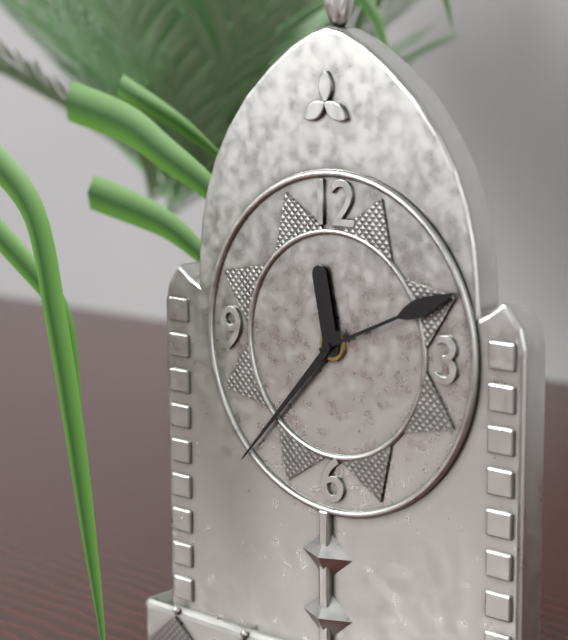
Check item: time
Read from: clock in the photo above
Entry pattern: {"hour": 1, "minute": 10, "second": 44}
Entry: {"hour": 11, "minute": 37, "second": 11}
